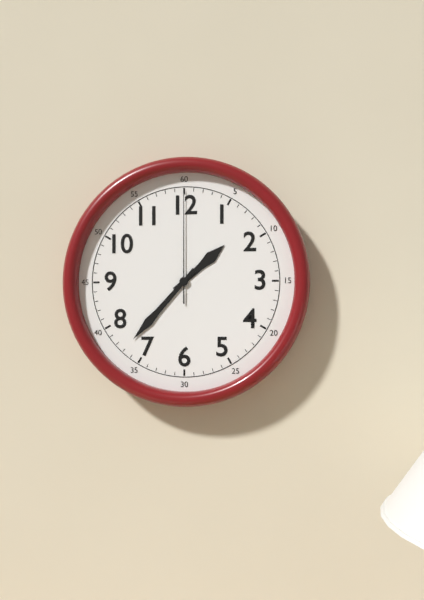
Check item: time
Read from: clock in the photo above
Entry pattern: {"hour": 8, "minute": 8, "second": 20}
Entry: {"hour": 1, "minute": 37, "second": 0}
